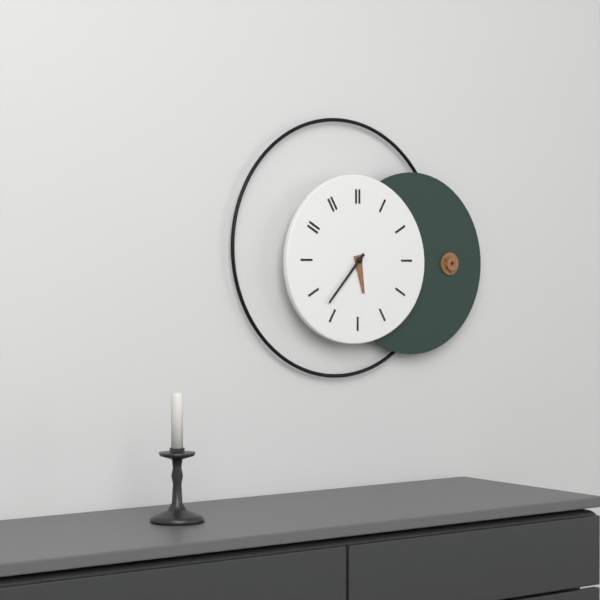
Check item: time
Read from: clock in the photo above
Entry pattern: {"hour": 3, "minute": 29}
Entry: {"hour": 5, "minute": 37}
